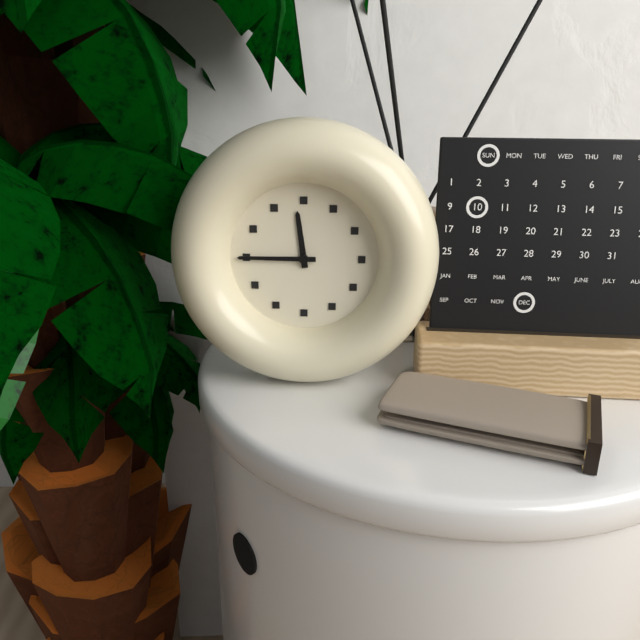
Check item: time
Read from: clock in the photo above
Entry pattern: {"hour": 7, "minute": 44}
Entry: {"hour": 11, "minute": 45}
